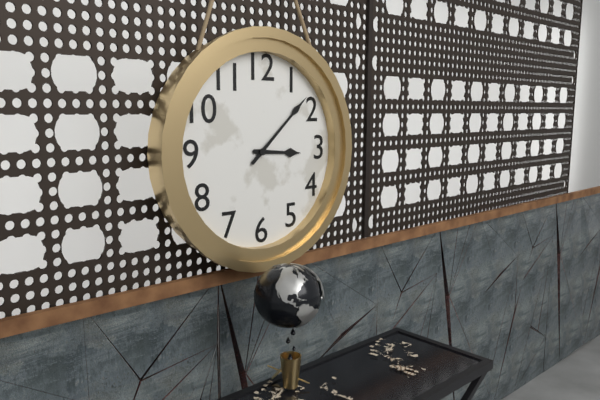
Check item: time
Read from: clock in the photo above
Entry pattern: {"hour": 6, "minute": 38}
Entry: {"hour": 3, "minute": 8}
